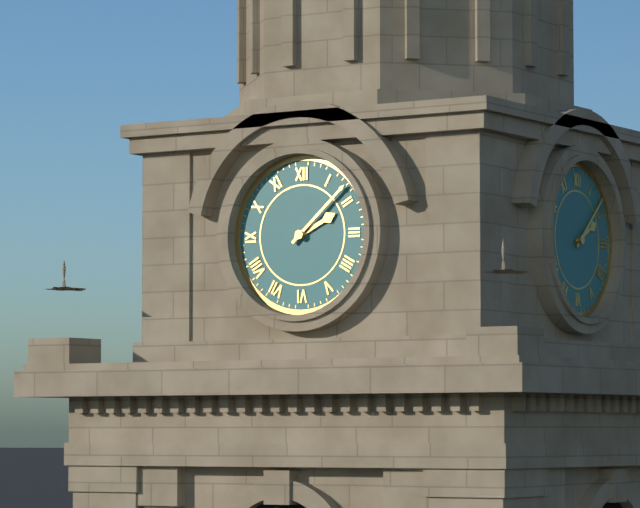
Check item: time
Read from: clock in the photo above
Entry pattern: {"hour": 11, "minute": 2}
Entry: {"hour": 2, "minute": 8}
